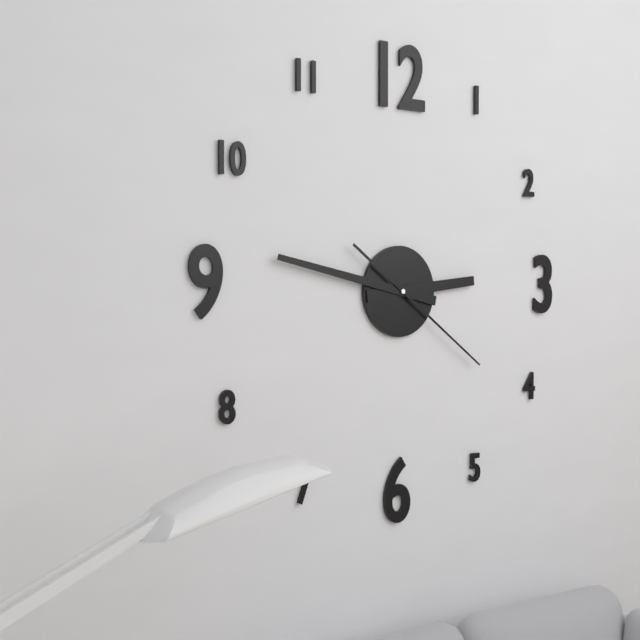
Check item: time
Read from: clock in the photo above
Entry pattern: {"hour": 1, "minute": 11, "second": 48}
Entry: {"hour": 2, "minute": 47, "second": 21}
